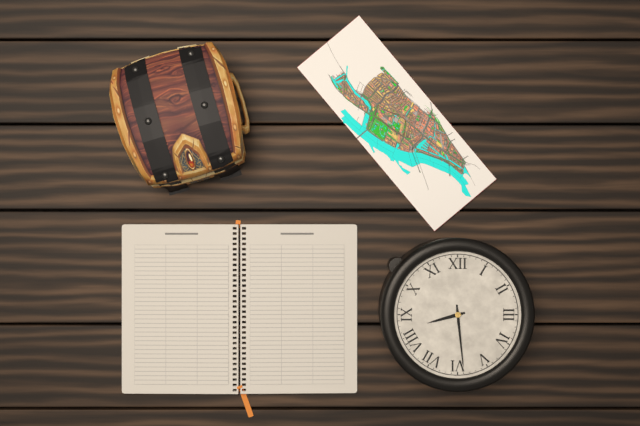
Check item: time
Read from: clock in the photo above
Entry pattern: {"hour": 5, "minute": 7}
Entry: {"hour": 8, "minute": 29}
